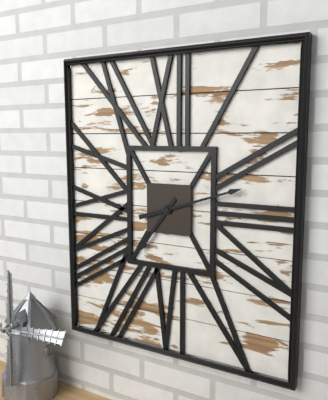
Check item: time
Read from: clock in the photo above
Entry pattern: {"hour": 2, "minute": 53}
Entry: {"hour": 7, "minute": 12}
